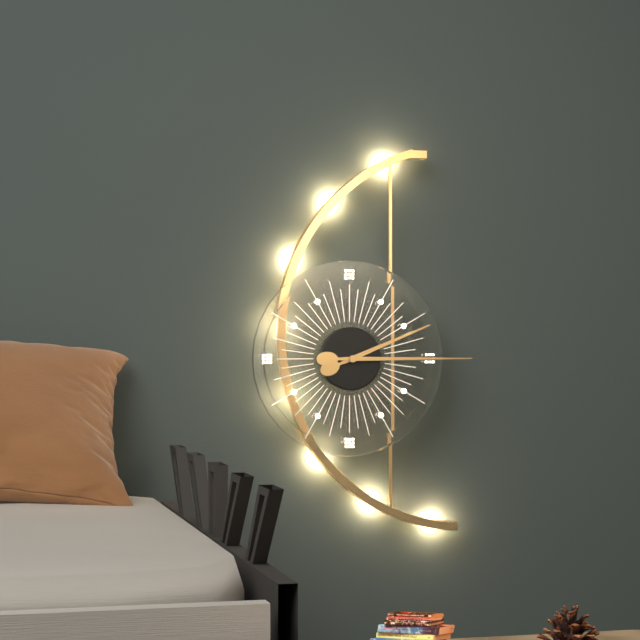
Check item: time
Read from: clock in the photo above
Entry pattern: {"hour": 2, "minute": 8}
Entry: {"hour": 2, "minute": 15}
